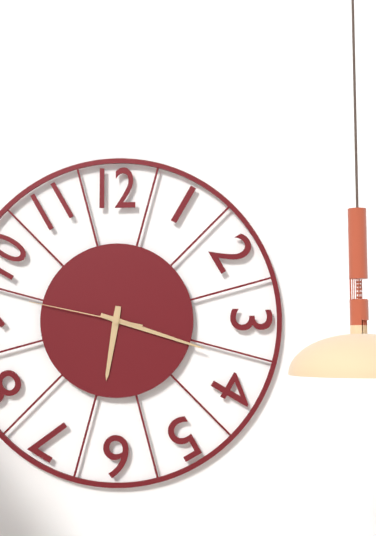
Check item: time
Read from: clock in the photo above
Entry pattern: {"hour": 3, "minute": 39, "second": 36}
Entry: {"hour": 6, "minute": 18, "second": 47}
